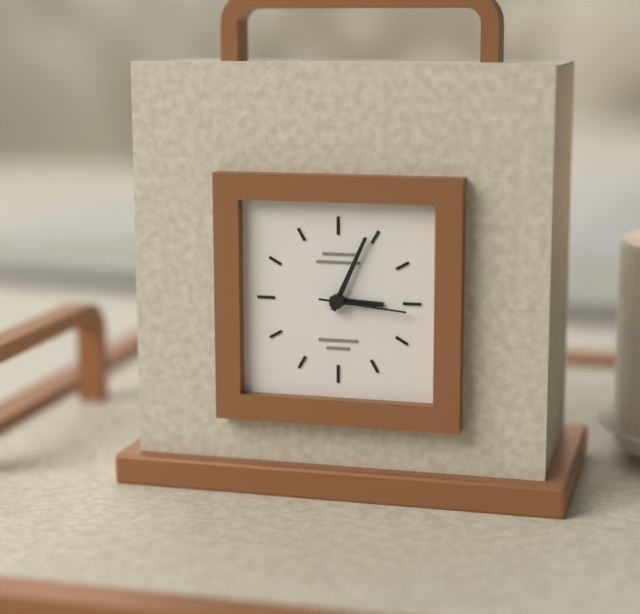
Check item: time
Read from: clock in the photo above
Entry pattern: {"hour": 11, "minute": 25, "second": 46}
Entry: {"hour": 3, "minute": 4, "second": 16}
